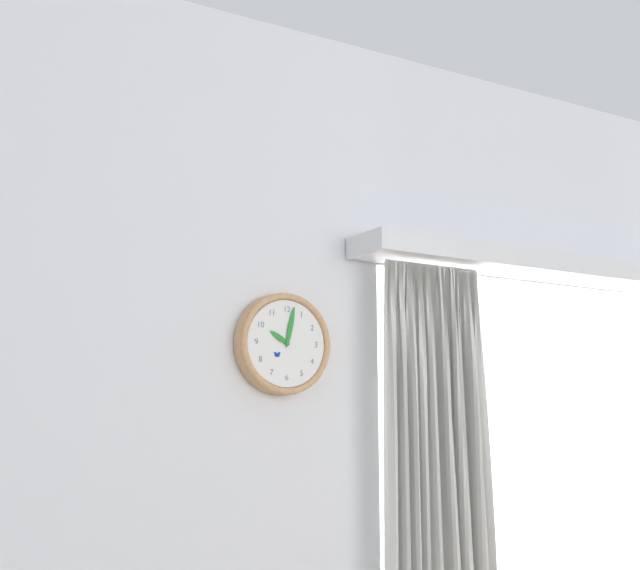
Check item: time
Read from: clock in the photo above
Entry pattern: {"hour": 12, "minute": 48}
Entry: {"hour": 10, "minute": 2}
